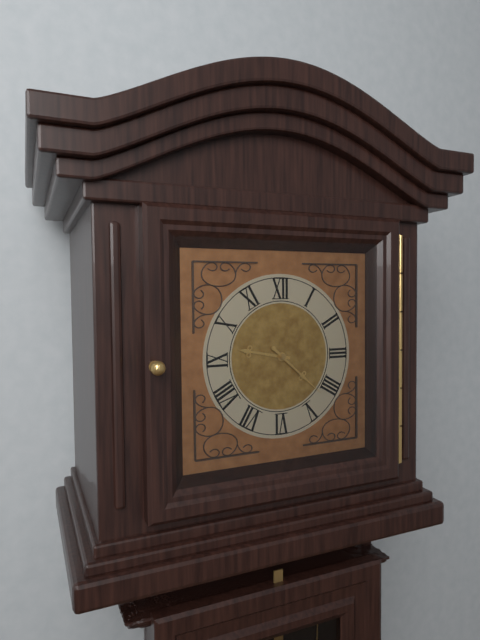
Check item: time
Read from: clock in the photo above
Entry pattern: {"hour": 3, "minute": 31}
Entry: {"hour": 9, "minute": 22}
